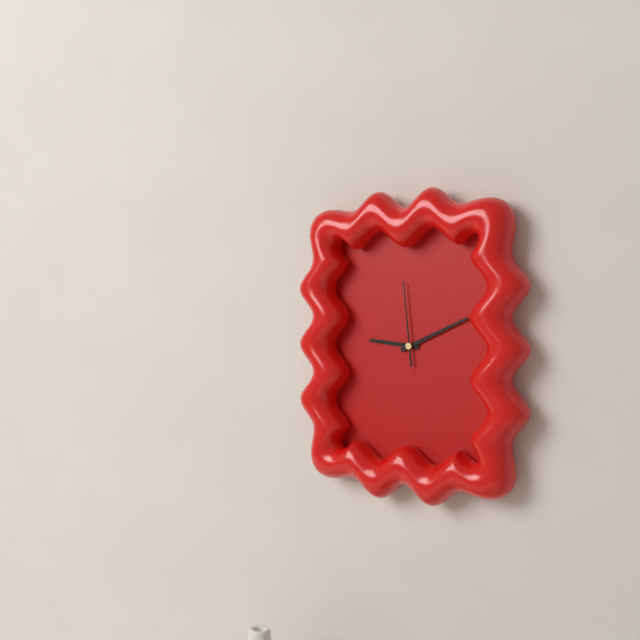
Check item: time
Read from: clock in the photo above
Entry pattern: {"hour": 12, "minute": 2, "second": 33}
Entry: {"hour": 9, "minute": 11, "second": 59}
